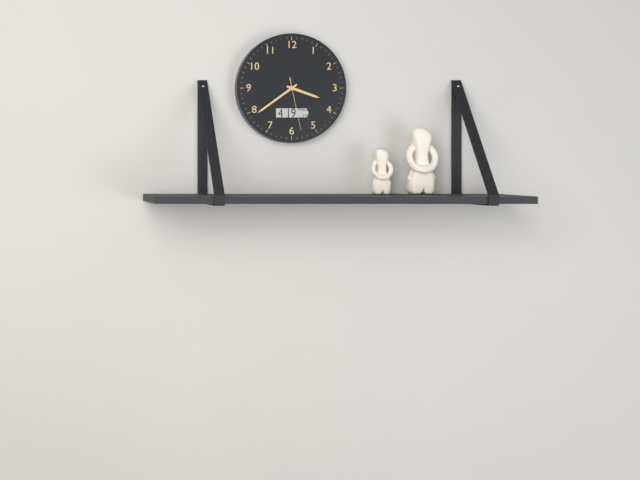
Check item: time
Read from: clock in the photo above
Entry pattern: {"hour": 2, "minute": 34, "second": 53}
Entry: {"hour": 3, "minute": 39, "second": 28}
